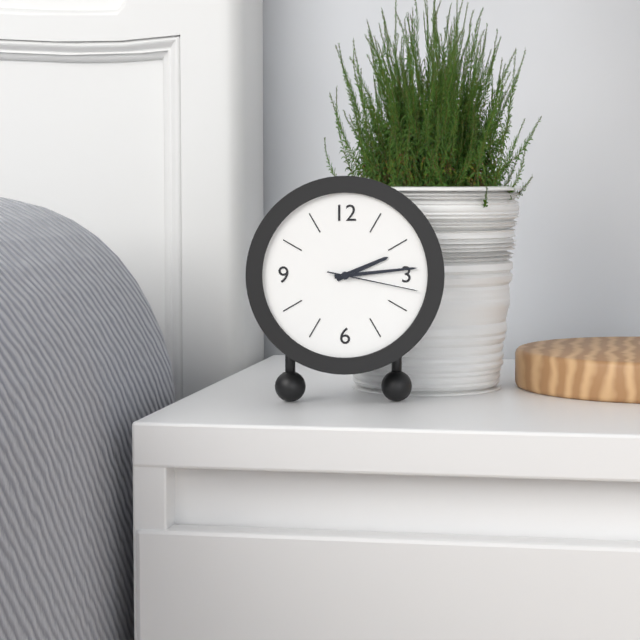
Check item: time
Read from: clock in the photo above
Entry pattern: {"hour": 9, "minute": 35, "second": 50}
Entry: {"hour": 2, "minute": 14, "second": 17}
